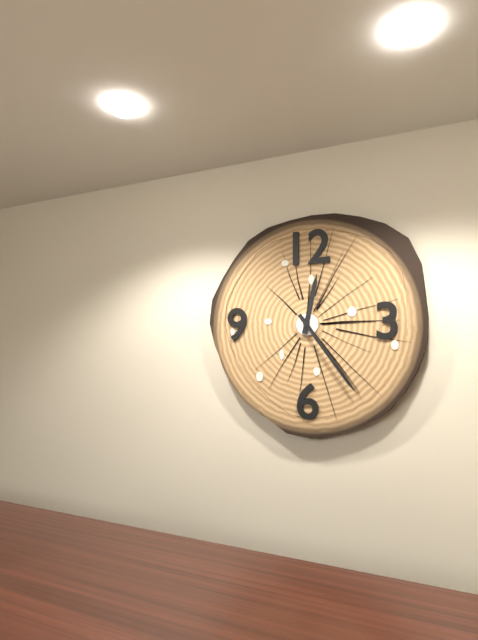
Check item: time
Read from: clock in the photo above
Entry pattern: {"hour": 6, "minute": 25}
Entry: {"hour": 12, "minute": 24}
